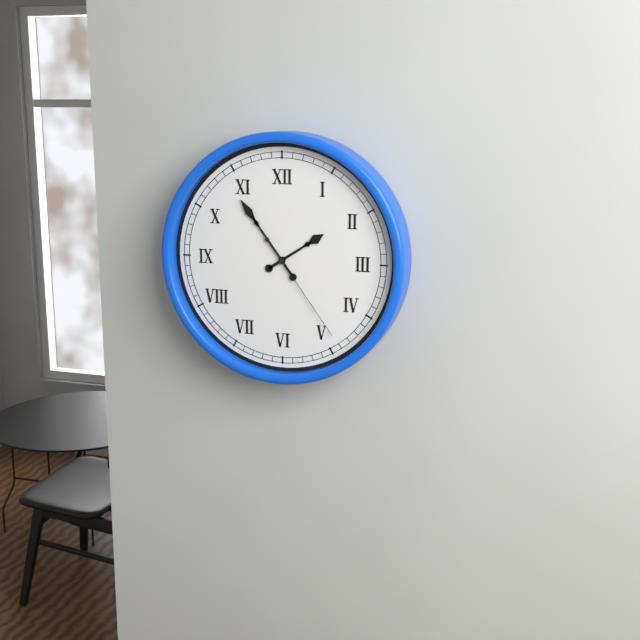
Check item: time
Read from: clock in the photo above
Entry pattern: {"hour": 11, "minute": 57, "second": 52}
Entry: {"hour": 1, "minute": 54, "second": 24}
